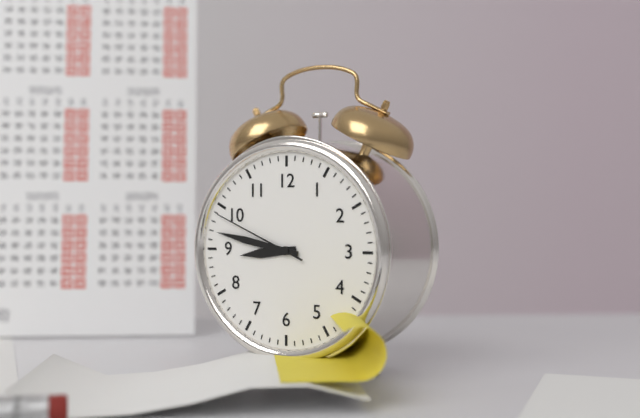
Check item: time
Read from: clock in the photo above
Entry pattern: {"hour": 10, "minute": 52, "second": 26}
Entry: {"hour": 8, "minute": 47, "second": 49}
